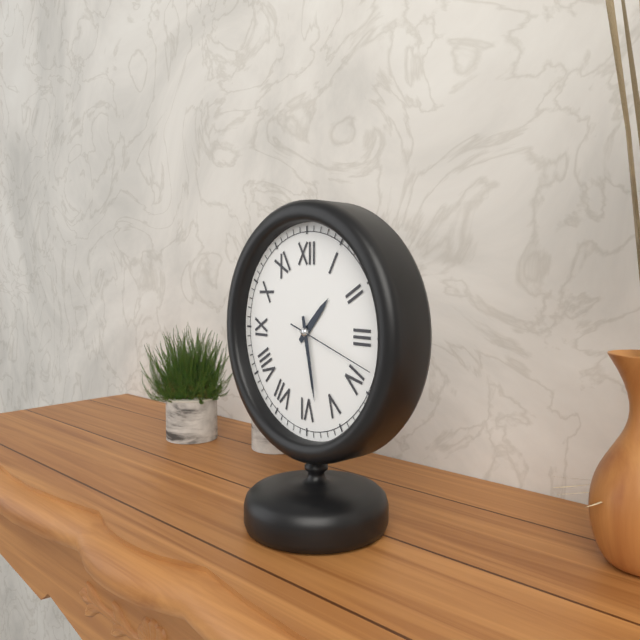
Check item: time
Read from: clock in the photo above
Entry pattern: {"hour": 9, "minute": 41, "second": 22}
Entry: {"hour": 1, "minute": 28, "second": 18}
